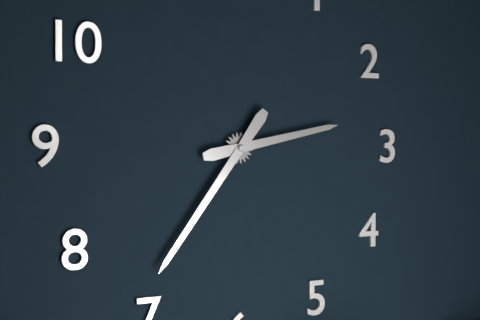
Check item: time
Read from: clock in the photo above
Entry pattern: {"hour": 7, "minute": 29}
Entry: {"hour": 2, "minute": 36}
